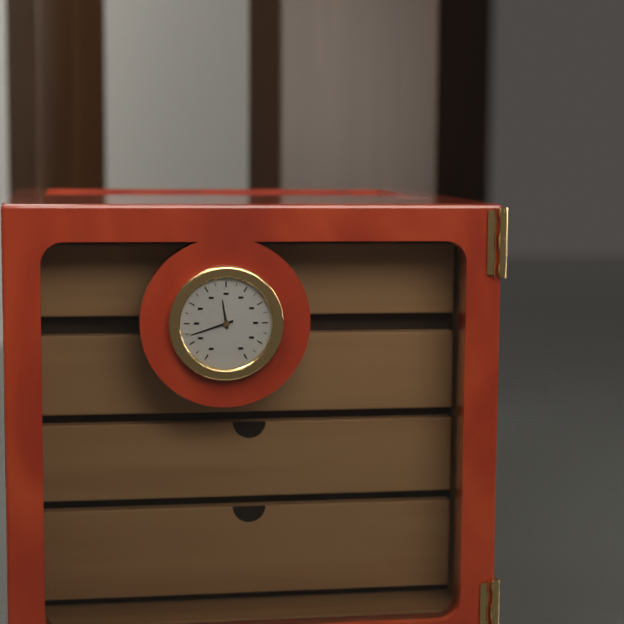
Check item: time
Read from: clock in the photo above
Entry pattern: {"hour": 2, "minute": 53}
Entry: {"hour": 11, "minute": 42}
